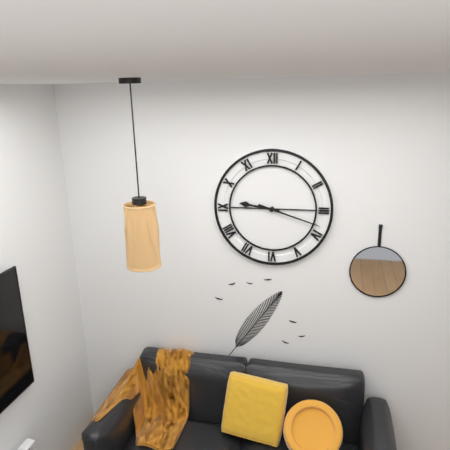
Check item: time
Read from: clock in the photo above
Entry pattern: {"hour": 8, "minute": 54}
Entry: {"hour": 9, "minute": 18}
